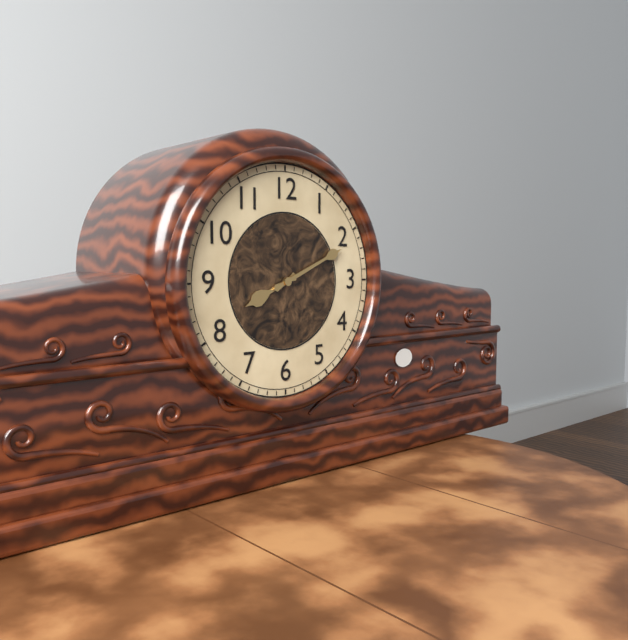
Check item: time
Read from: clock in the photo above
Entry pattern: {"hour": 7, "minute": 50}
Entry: {"hour": 8, "minute": 11}
